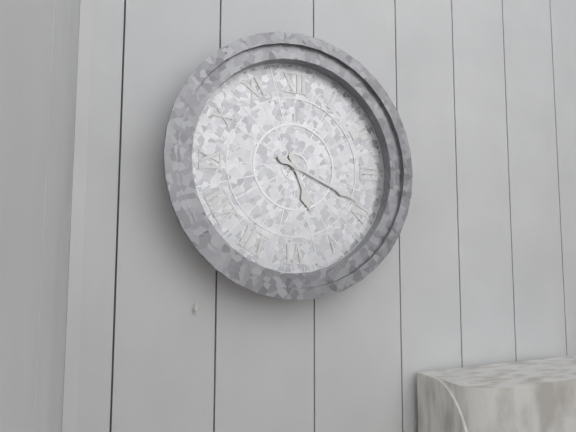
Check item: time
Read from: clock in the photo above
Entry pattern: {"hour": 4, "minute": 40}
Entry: {"hour": 5, "minute": 19}
